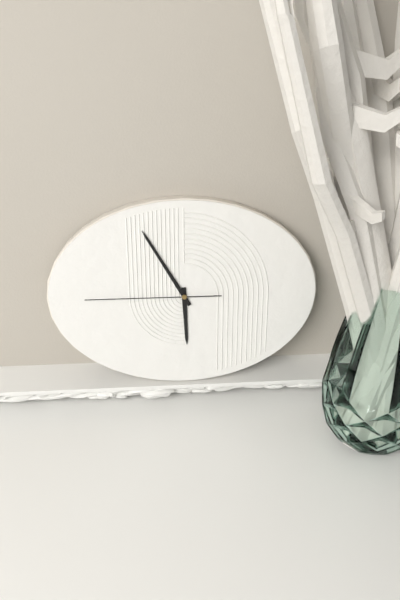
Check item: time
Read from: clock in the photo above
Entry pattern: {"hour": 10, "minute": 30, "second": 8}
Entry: {"hour": 5, "minute": 55, "second": 45}
